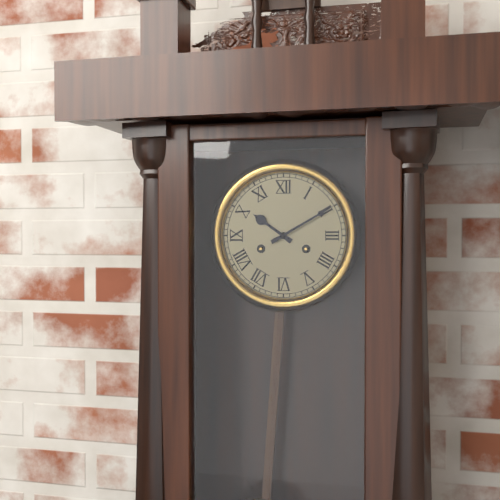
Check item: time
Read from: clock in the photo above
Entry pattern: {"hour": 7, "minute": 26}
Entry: {"hour": 10, "minute": 10}
